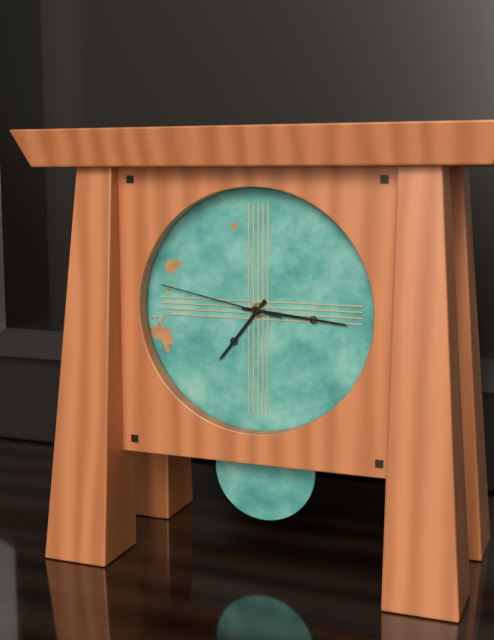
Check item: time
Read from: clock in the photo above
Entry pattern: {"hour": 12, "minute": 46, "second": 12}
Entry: {"hour": 7, "minute": 16, "second": 47}
